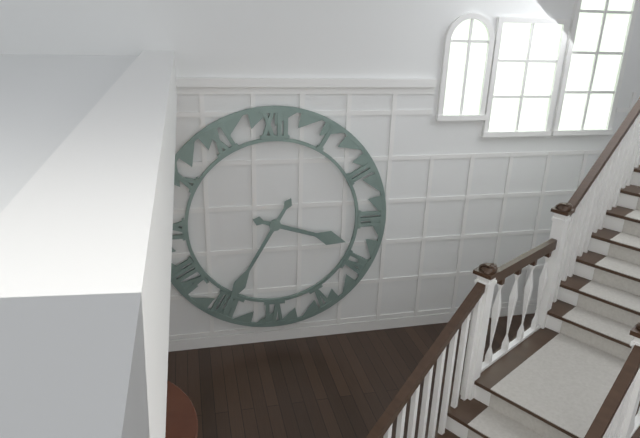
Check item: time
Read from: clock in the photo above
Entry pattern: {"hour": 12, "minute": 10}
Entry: {"hour": 3, "minute": 35}
